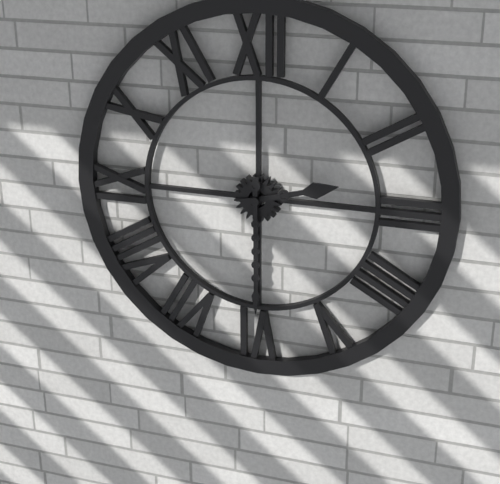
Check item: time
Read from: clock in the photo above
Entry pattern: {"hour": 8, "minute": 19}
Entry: {"hour": 2, "minute": 30}
